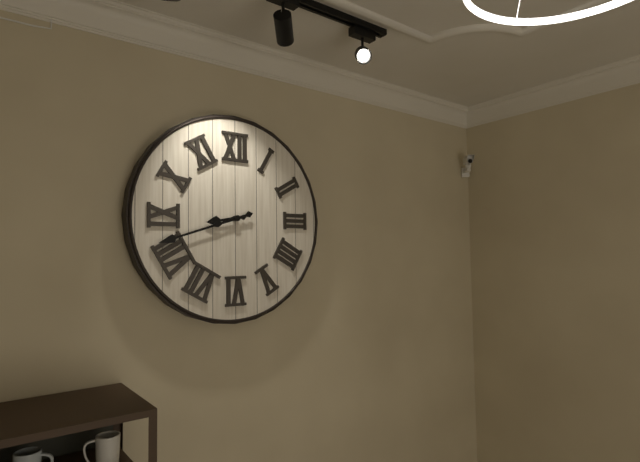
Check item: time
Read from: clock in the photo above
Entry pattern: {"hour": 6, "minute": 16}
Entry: {"hour": 8, "minute": 42}
